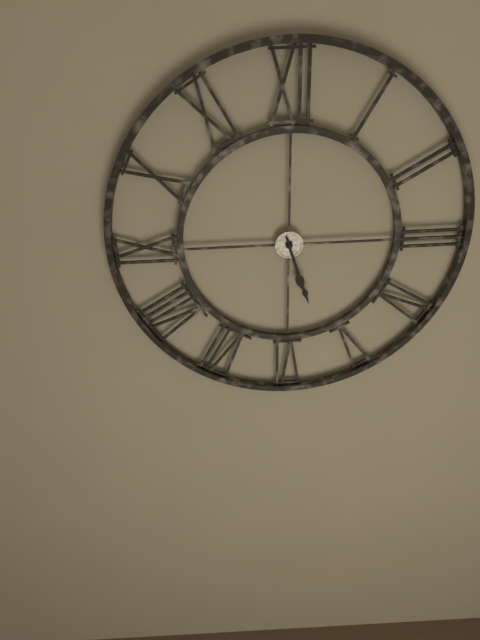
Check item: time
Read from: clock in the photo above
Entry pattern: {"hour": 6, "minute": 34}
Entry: {"hour": 5, "minute": 27}
